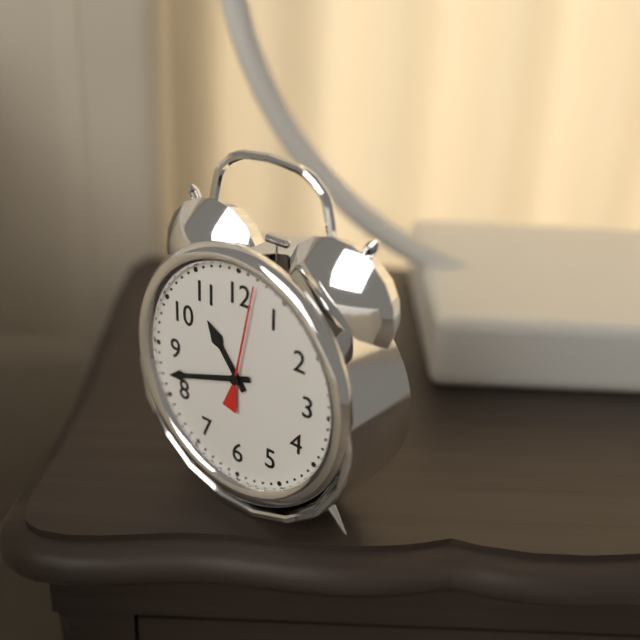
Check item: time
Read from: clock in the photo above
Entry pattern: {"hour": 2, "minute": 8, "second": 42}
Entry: {"hour": 10, "minute": 42, "second": 2}
